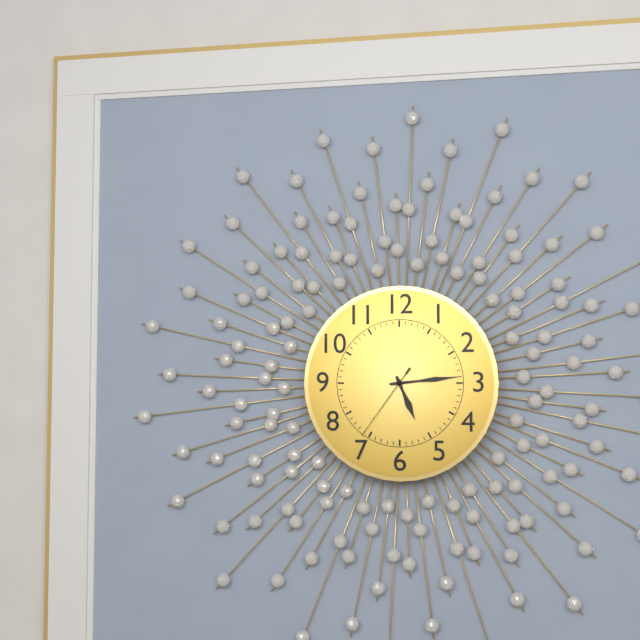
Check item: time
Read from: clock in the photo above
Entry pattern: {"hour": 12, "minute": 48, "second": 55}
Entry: {"hour": 5, "minute": 14, "second": 36}
